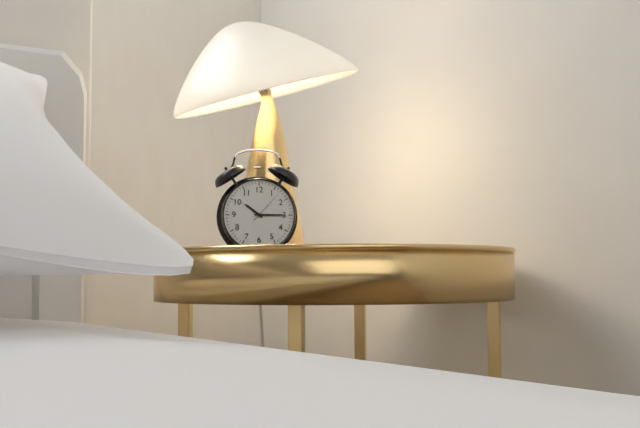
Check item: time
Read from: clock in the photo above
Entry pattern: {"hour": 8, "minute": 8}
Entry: {"hour": 10, "minute": 15}
